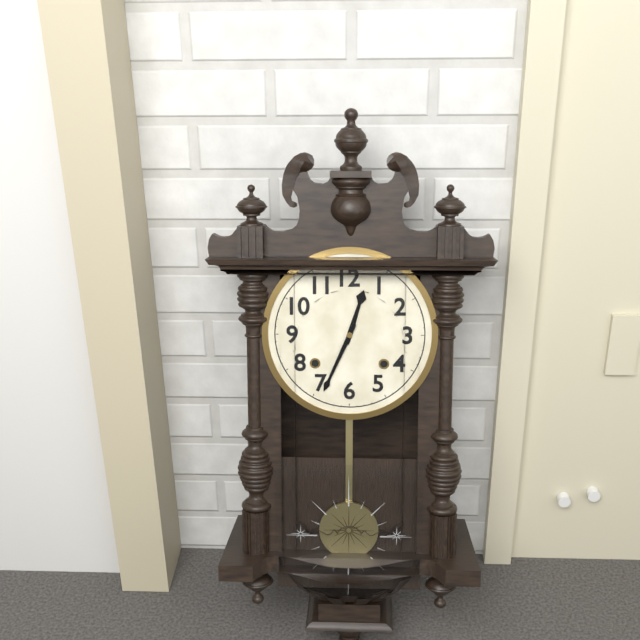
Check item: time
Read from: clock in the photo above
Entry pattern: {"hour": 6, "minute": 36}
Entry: {"hour": 12, "minute": 34}
